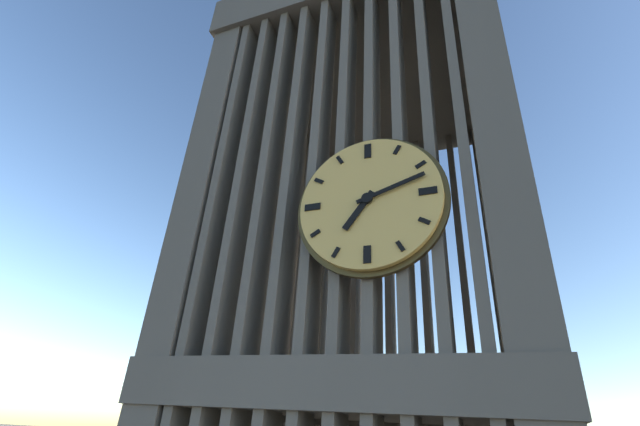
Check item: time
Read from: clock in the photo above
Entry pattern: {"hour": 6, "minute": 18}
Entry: {"hour": 7, "minute": 12}
